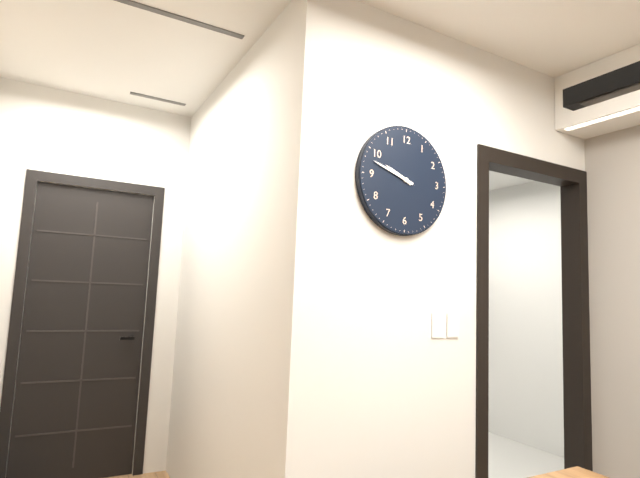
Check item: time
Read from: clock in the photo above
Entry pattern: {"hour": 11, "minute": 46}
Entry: {"hour": 9, "minute": 48}
